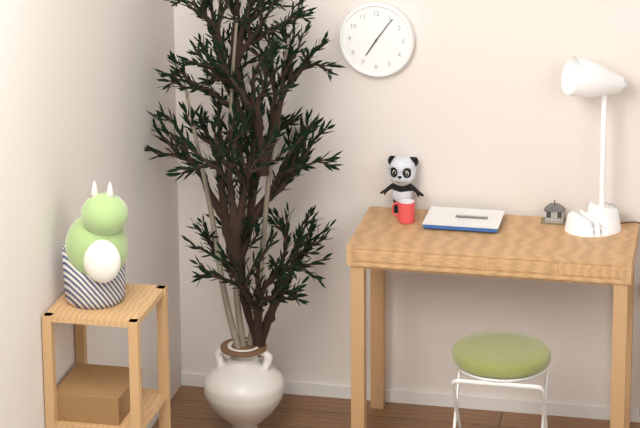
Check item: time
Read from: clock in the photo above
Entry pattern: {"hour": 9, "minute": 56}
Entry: {"hour": 7, "minute": 6}
